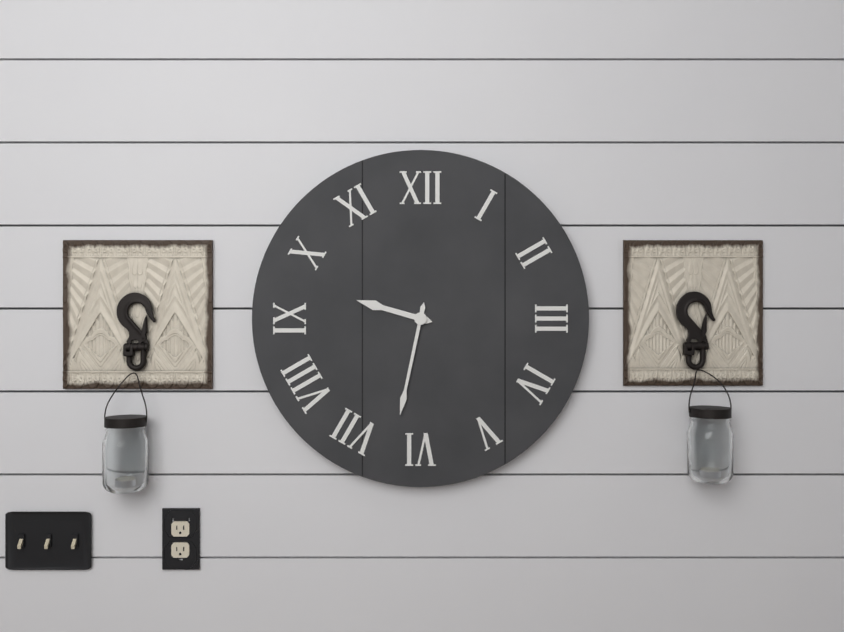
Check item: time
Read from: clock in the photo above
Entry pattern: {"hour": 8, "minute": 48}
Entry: {"hour": 9, "minute": 32}
